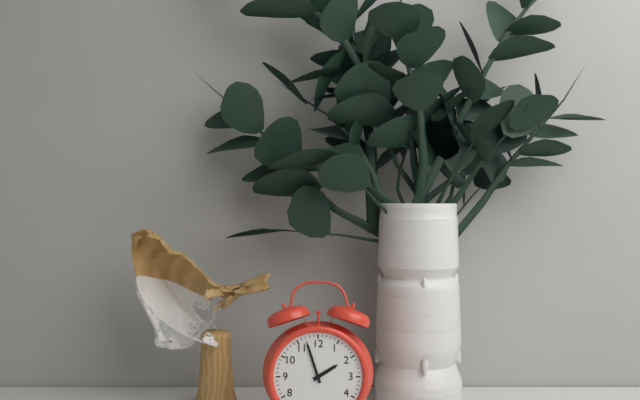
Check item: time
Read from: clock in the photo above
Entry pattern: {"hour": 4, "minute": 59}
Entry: {"hour": 1, "minute": 57}
